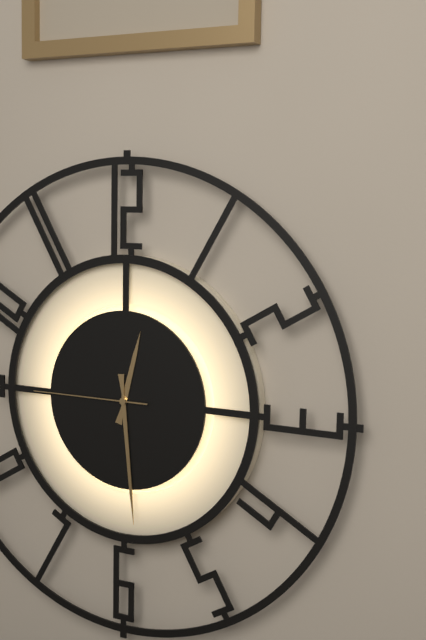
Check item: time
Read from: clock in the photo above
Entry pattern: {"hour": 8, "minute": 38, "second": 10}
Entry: {"hour": 12, "minute": 29, "second": 45}
